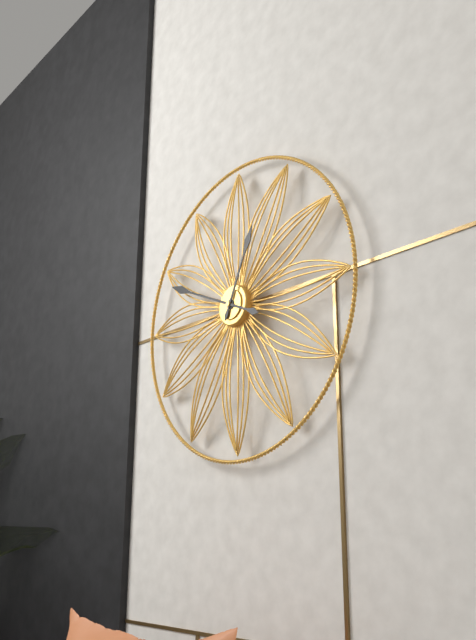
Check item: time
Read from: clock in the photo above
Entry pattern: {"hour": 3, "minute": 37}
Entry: {"hour": 12, "minute": 49}
